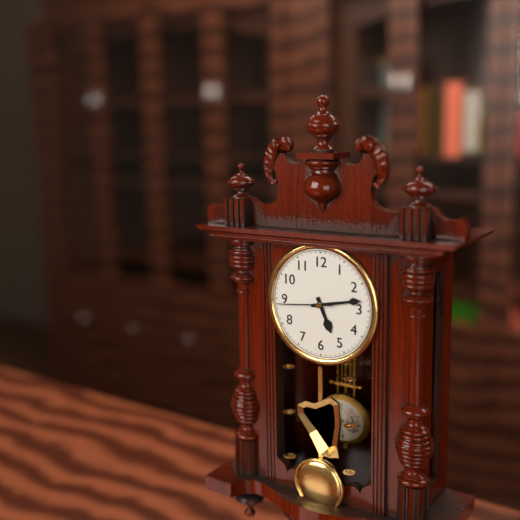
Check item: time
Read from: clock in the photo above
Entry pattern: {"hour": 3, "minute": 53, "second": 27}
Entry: {"hour": 5, "minute": 13, "second": 44}
